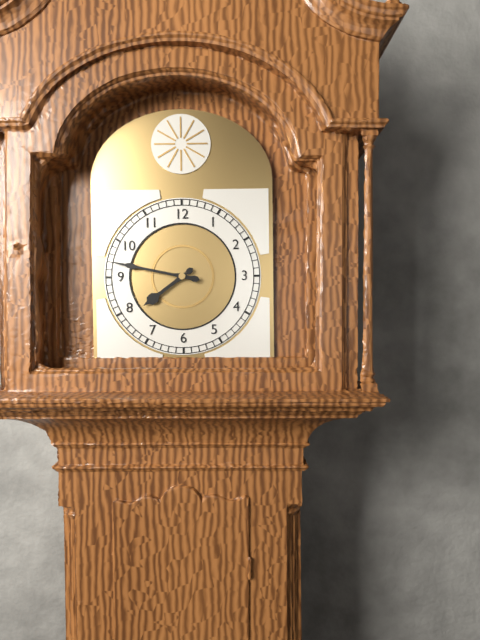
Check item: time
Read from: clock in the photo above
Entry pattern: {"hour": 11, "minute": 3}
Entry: {"hour": 7, "minute": 47}
